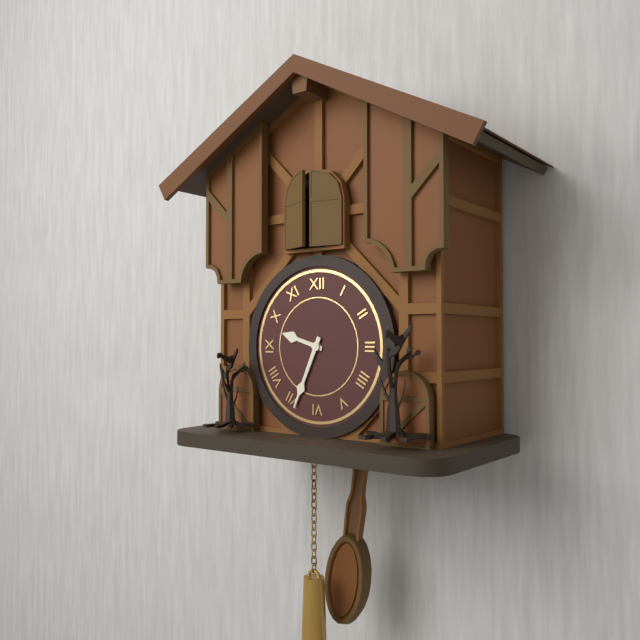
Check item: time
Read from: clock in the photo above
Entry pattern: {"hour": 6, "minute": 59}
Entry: {"hour": 9, "minute": 34}
